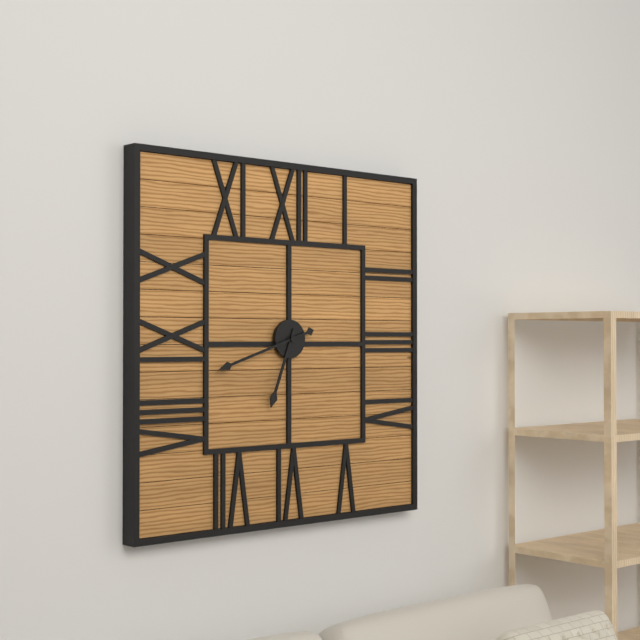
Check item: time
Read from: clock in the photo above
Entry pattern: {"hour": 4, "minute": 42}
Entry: {"hour": 6, "minute": 42}
